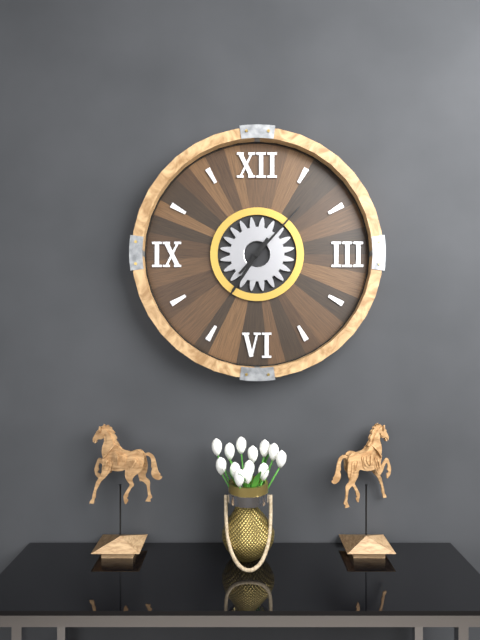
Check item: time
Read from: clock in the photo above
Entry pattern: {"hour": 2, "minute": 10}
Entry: {"hour": 7, "minute": 7}
